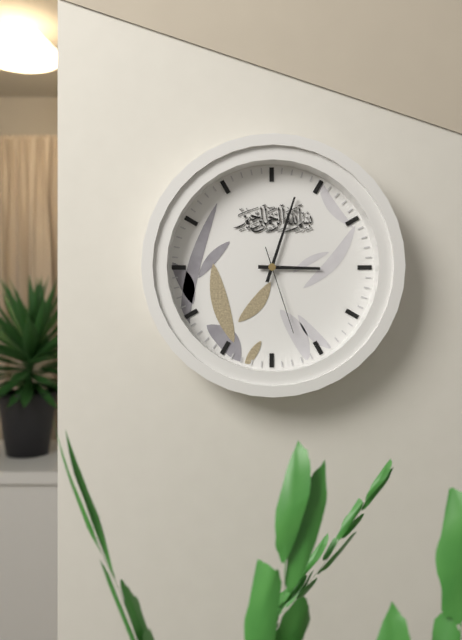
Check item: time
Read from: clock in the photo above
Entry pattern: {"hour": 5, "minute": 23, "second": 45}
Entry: {"hour": 3, "minute": 3, "second": 27}
